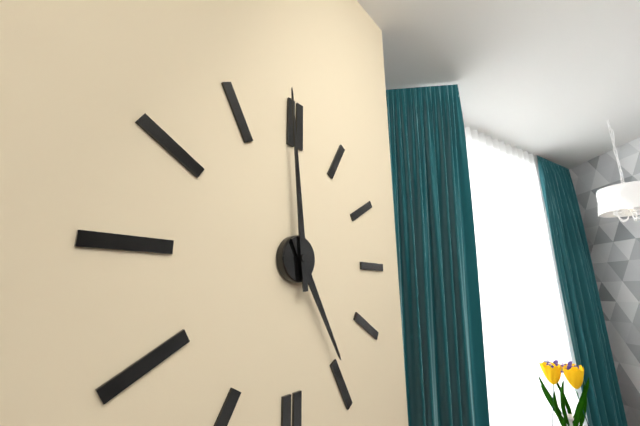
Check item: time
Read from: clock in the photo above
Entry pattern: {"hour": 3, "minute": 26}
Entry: {"hour": 4, "minute": 59}
